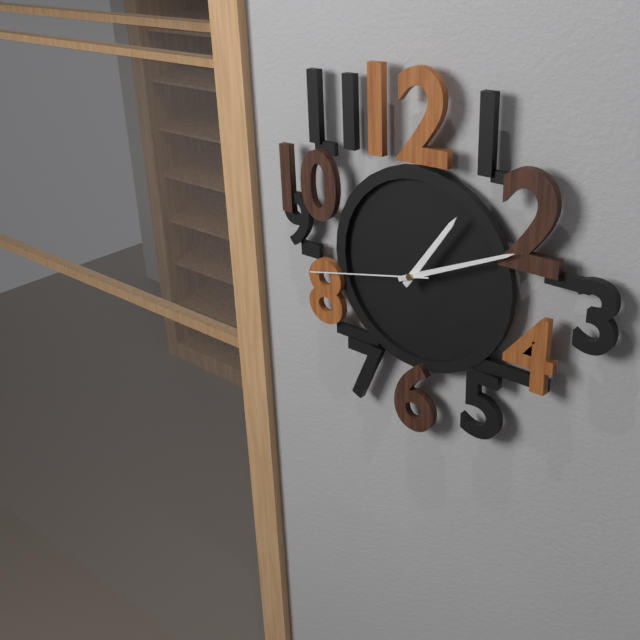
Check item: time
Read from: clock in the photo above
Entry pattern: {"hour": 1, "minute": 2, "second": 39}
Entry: {"hour": 1, "minute": 11, "second": 43}
